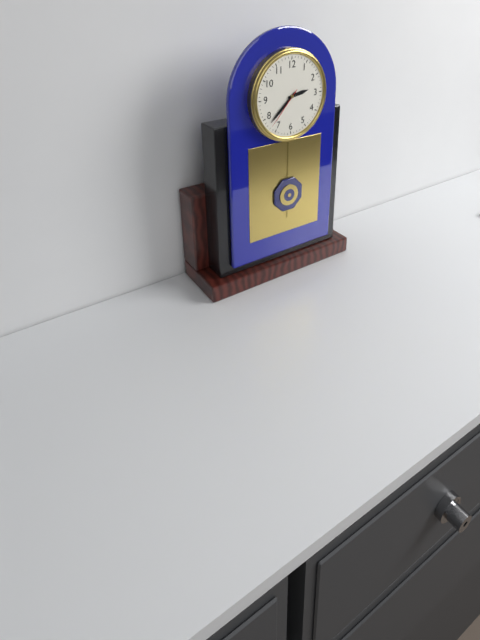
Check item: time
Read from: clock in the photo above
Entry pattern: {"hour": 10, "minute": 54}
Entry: {"hour": 2, "minute": 38}
